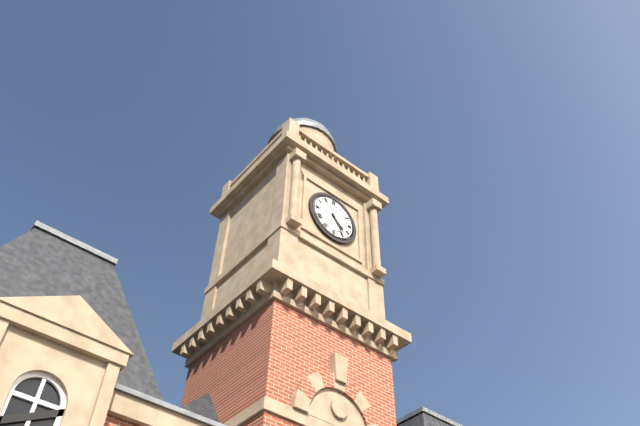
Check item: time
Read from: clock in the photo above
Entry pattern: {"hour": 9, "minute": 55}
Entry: {"hour": 4, "minute": 25}
